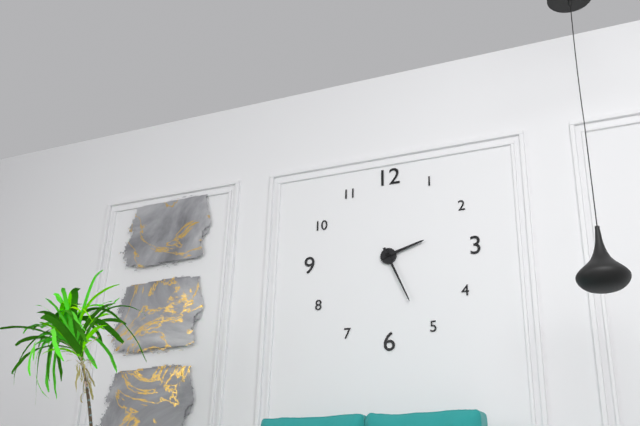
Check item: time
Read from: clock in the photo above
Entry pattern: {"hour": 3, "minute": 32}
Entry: {"hour": 2, "minute": 26}
